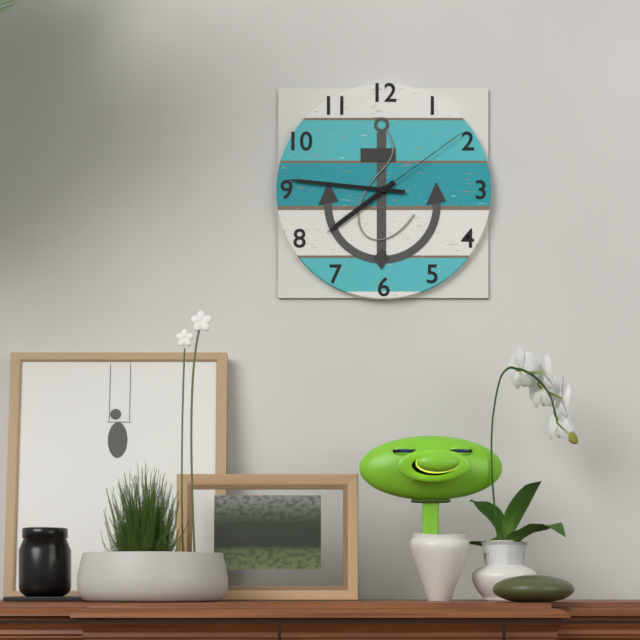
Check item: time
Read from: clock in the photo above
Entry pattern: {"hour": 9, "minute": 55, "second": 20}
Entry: {"hour": 7, "minute": 46, "second": 9}
